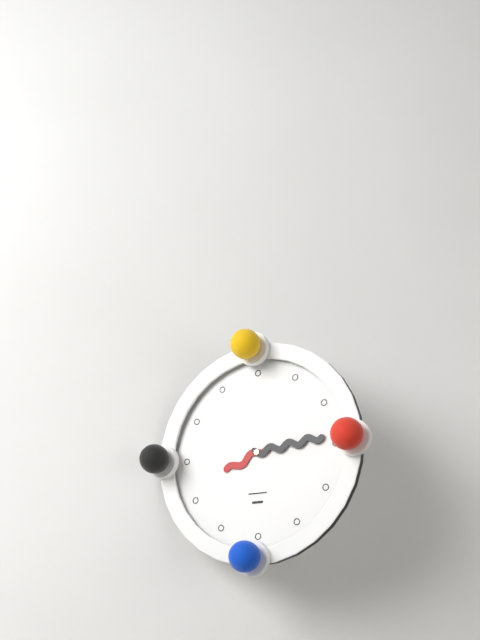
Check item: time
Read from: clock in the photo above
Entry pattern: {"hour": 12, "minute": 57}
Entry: {"hour": 8, "minute": 14}
